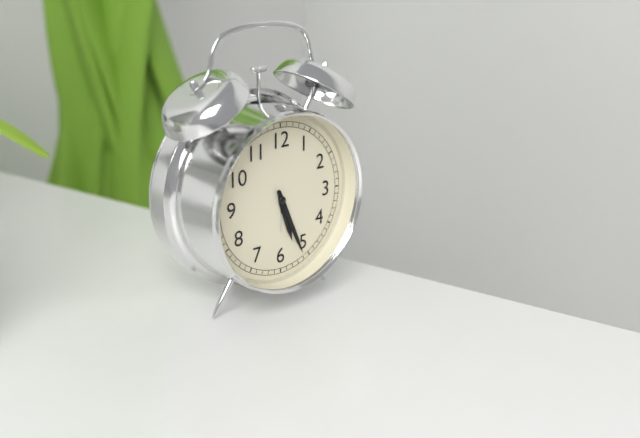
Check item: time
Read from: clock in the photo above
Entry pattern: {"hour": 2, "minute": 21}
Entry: {"hour": 5, "minute": 26}
